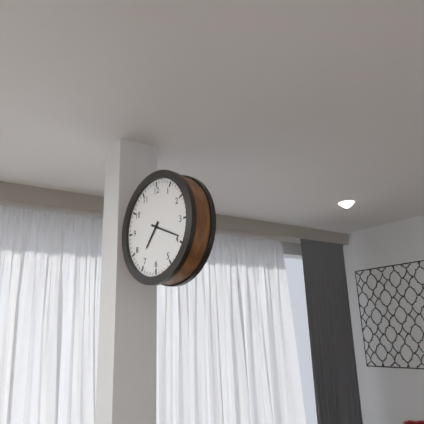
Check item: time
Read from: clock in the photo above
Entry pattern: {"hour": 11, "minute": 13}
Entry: {"hour": 7, "minute": 19}
